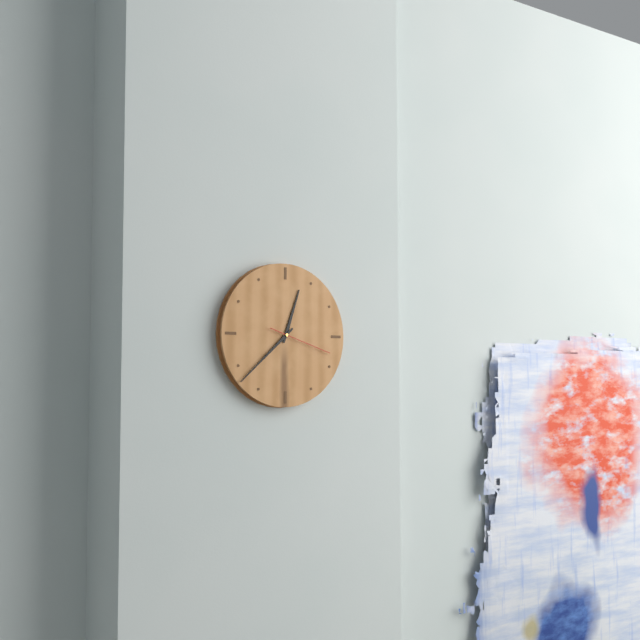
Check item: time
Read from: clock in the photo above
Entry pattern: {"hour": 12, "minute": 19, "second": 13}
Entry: {"hour": 12, "minute": 38, "second": 18}
